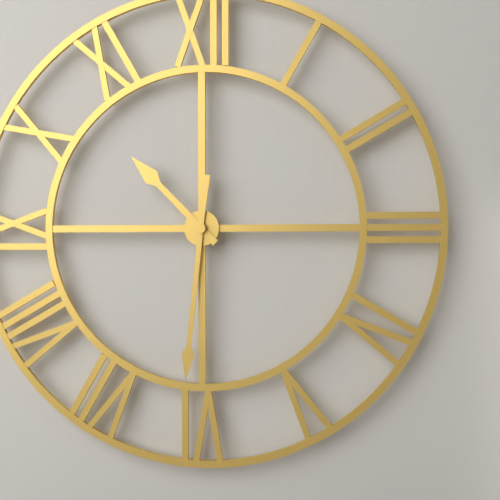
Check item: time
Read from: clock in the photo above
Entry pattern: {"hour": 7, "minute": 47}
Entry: {"hour": 10, "minute": 31}
